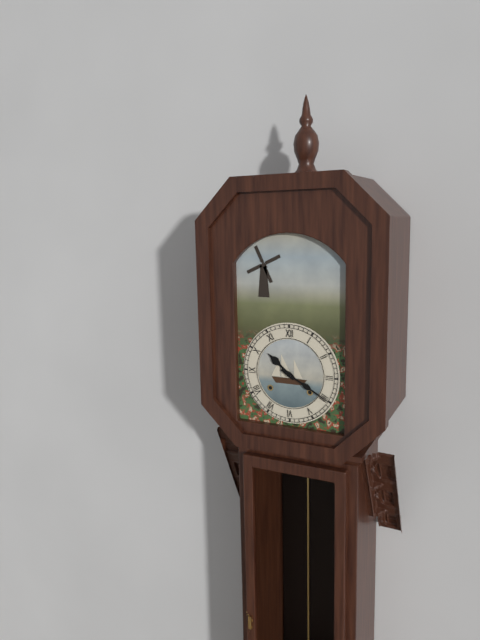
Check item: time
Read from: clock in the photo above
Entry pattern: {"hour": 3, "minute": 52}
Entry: {"hour": 10, "minute": 20}
